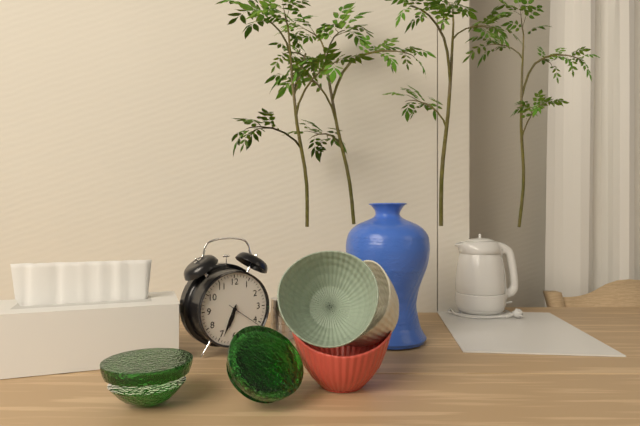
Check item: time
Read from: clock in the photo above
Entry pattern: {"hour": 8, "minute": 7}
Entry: {"hour": 6, "minute": 34}
